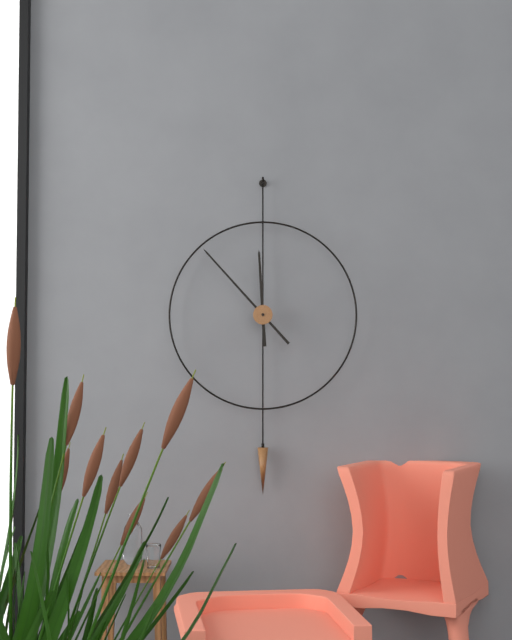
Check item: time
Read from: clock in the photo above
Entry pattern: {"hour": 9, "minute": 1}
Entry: {"hour": 11, "minute": 53}
